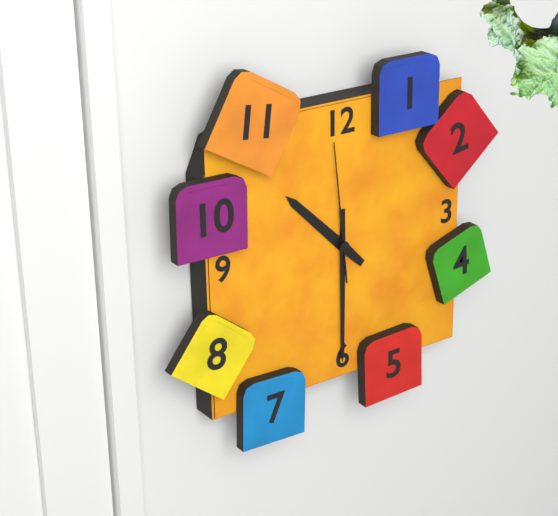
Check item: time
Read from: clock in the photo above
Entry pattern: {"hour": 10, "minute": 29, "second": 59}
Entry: {"hour": 10, "minute": 30, "second": 59}
